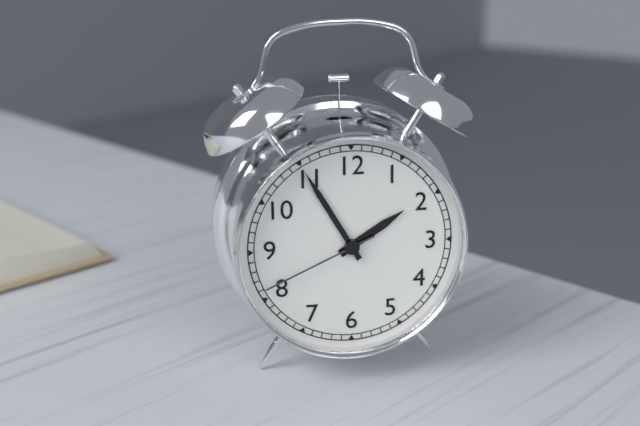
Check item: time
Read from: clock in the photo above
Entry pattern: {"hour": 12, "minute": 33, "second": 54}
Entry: {"hour": 1, "minute": 55, "second": 41}
